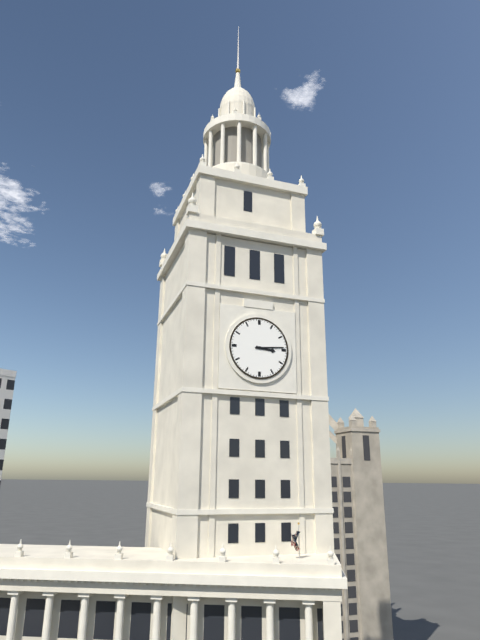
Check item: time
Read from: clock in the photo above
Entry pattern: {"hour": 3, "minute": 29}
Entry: {"hour": 3, "minute": 14}
